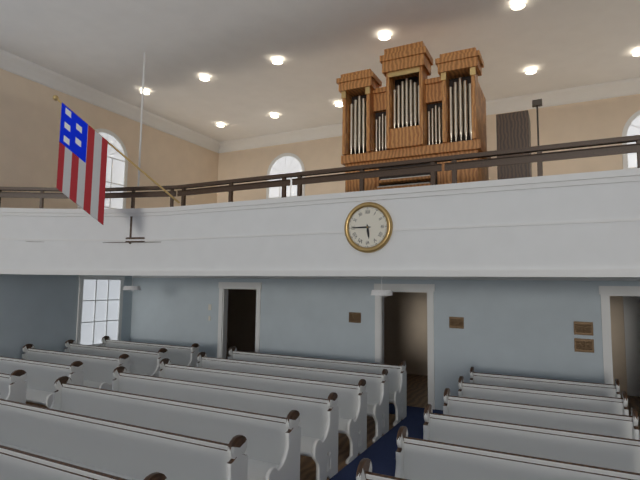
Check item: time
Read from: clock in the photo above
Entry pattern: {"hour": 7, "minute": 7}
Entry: {"hour": 5, "minute": 45}
